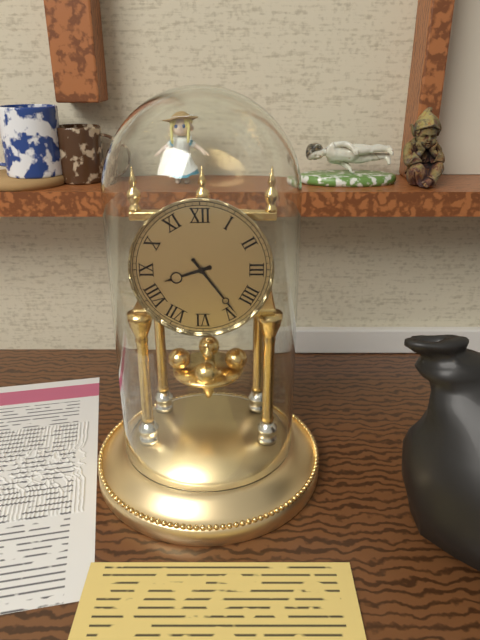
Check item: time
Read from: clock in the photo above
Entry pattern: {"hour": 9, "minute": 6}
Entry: {"hour": 8, "minute": 24}
